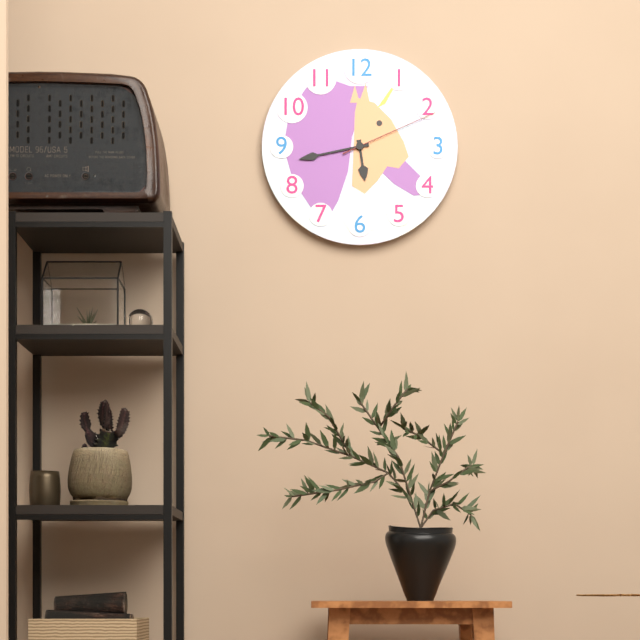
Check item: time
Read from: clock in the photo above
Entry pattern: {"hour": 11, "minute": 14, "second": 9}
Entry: {"hour": 5, "minute": 43, "second": 11}
